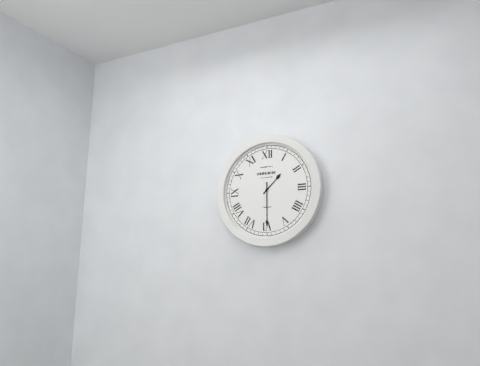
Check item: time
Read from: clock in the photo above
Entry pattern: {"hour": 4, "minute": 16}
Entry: {"hour": 1, "minute": 30}
